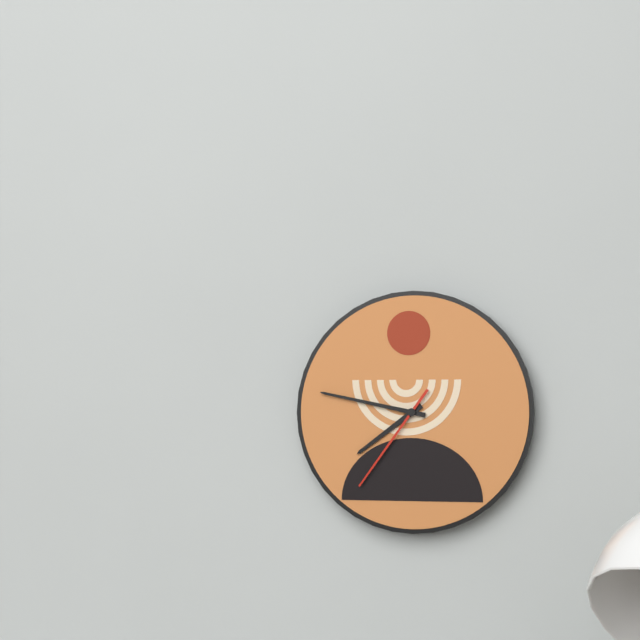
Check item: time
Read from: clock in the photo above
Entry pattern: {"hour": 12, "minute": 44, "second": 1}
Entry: {"hour": 7, "minute": 47, "second": 36}
